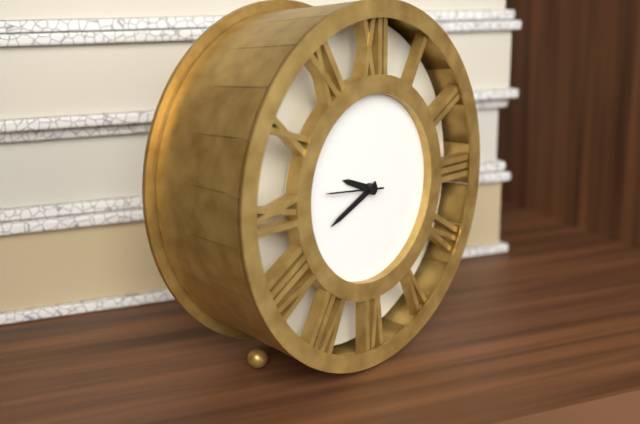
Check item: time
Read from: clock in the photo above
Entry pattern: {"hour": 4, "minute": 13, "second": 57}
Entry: {"hour": 9, "minute": 41, "second": 46}
